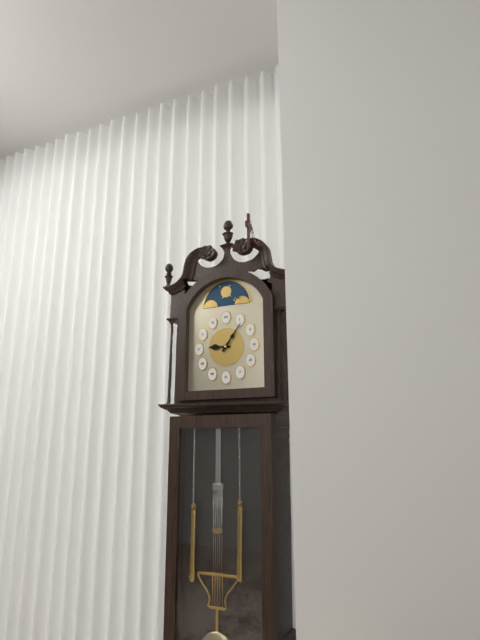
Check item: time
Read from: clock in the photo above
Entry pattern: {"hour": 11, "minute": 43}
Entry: {"hour": 9, "minute": 6}
